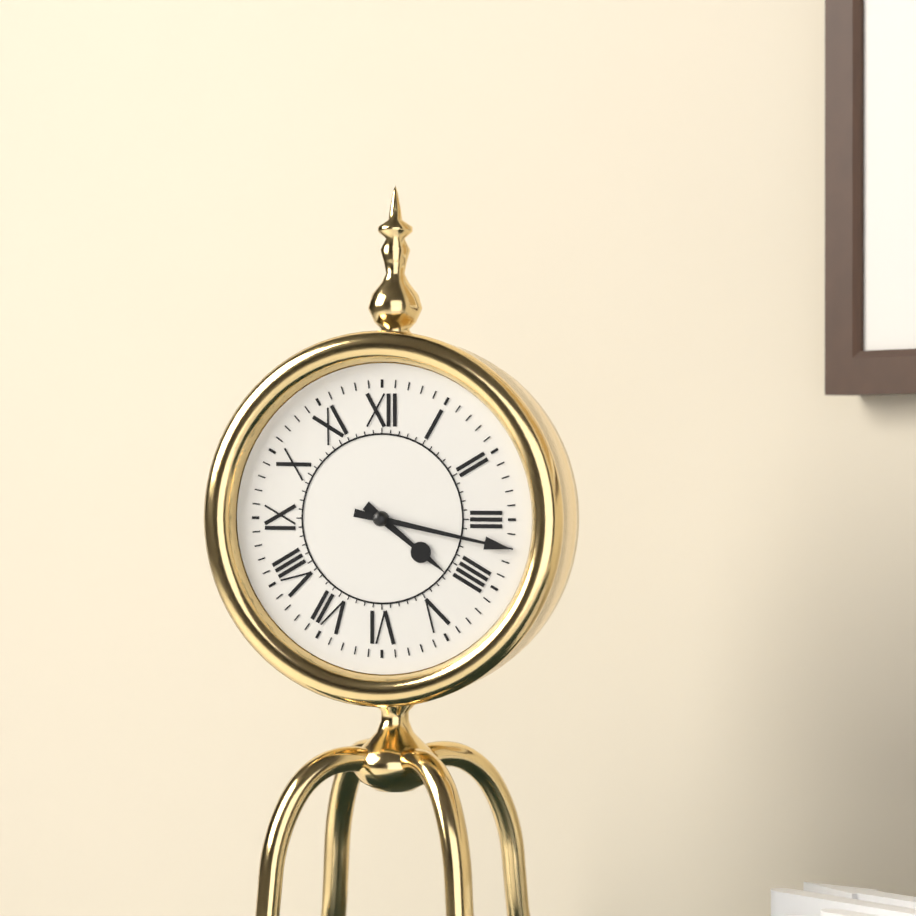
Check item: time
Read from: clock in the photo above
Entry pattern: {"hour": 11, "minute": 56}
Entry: {"hour": 4, "minute": 17}
